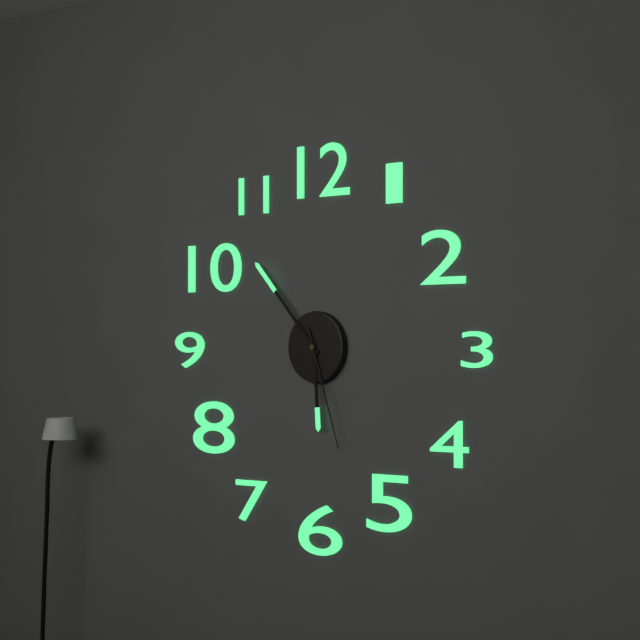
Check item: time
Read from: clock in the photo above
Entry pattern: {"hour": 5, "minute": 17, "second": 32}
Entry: {"hour": 5, "minute": 53, "second": 27}
